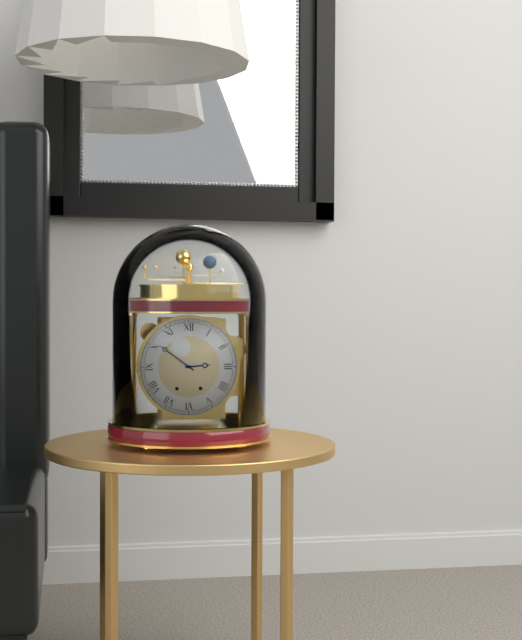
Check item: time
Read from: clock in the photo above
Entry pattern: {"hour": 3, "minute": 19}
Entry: {"hour": 2, "minute": 51}
